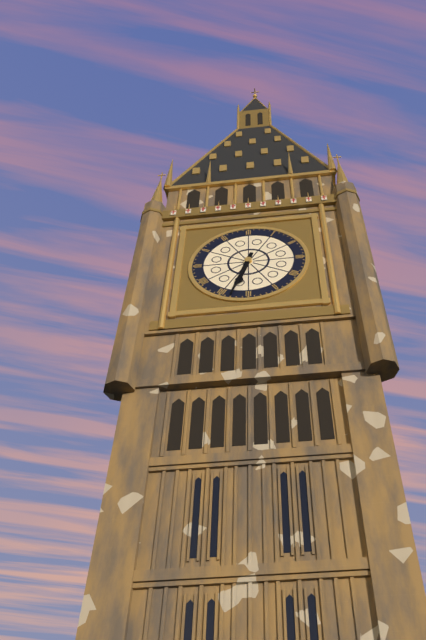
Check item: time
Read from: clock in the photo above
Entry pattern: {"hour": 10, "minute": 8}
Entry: {"hour": 6, "minute": 33}
